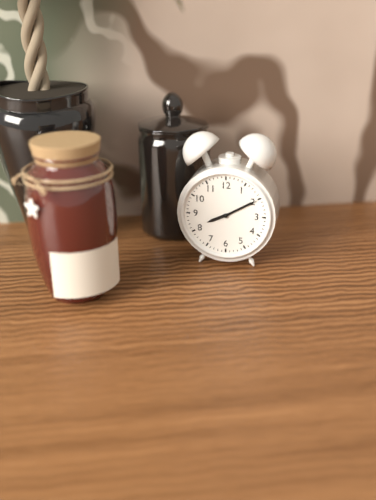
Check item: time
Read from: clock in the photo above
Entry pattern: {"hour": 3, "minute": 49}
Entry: {"hour": 8, "minute": 10}
